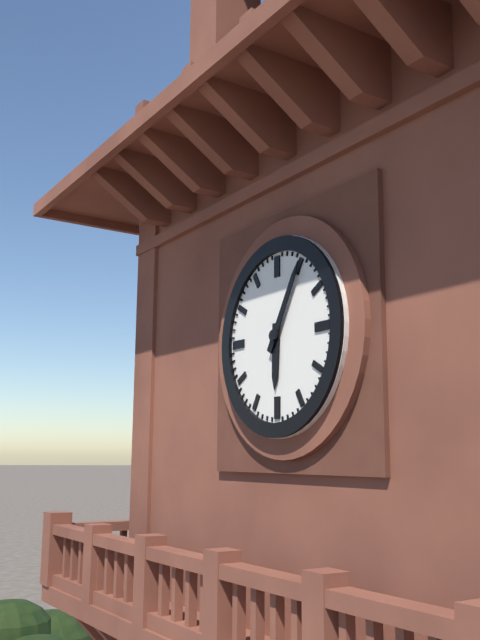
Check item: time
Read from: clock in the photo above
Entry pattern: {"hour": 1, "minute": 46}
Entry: {"hour": 6, "minute": 5}
